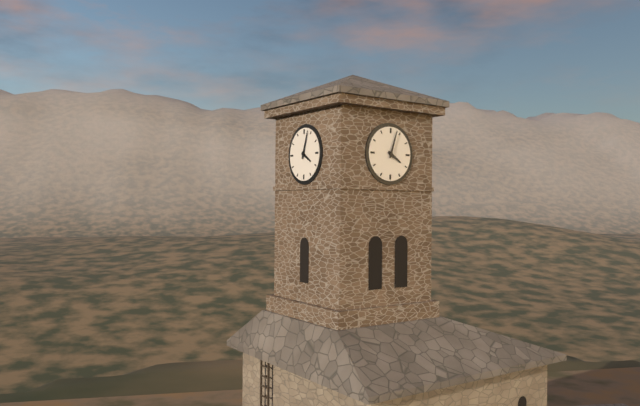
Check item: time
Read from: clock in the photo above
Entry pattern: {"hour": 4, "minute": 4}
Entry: {"hour": 4, "minute": 3}
